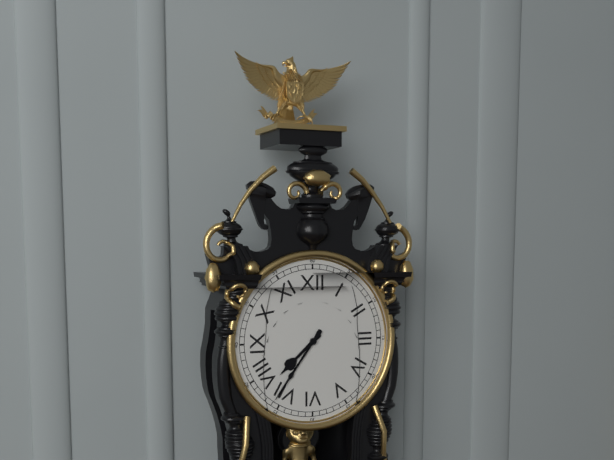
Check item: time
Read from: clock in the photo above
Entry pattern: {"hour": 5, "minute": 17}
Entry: {"hour": 7, "minute": 36}
